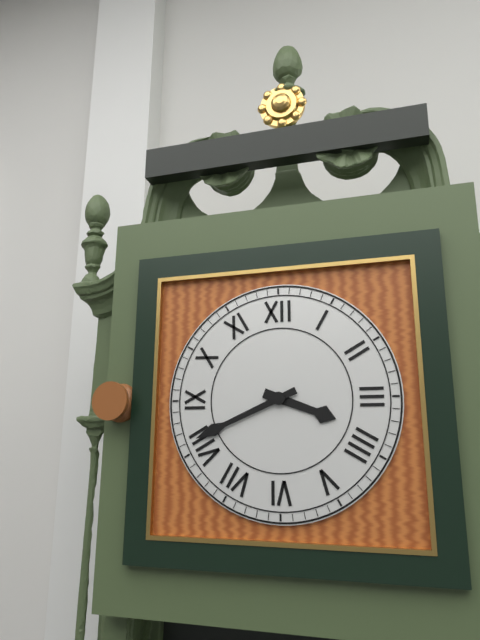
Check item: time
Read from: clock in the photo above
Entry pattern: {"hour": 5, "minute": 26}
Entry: {"hour": 3, "minute": 41}
